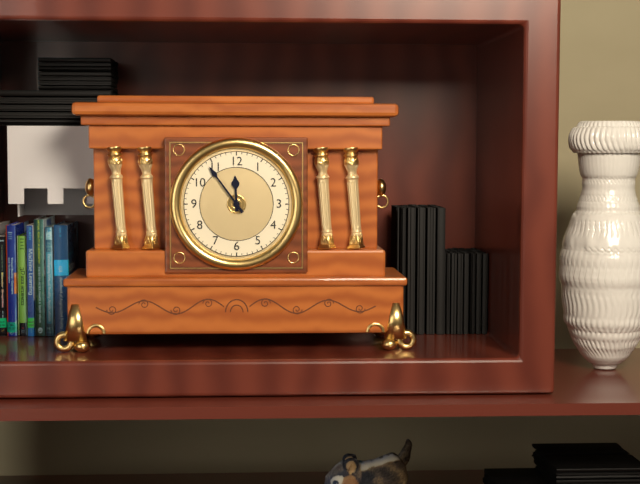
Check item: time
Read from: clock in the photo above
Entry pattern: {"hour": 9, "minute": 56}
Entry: {"hour": 11, "minute": 54}
